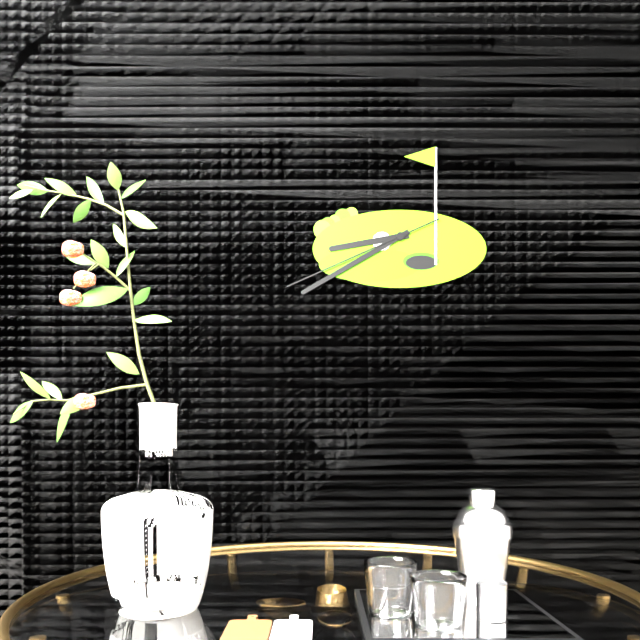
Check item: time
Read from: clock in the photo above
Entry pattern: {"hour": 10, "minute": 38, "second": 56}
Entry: {"hour": 8, "minute": 40, "second": 41}
